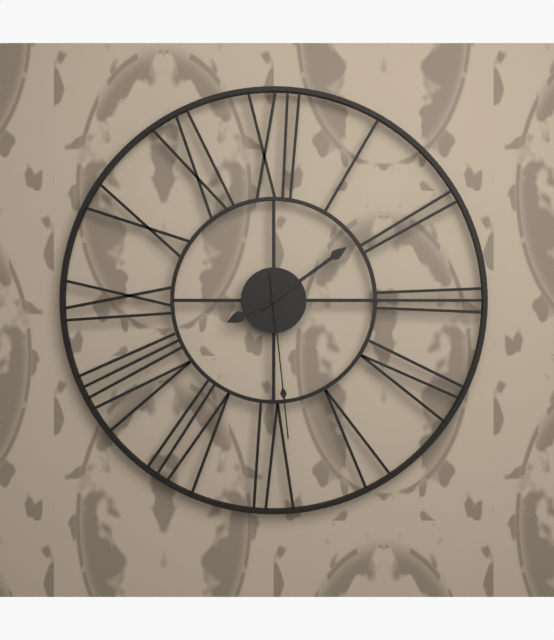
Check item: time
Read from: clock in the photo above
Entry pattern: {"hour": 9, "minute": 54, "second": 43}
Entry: {"hour": 8, "minute": 9, "second": 29}
